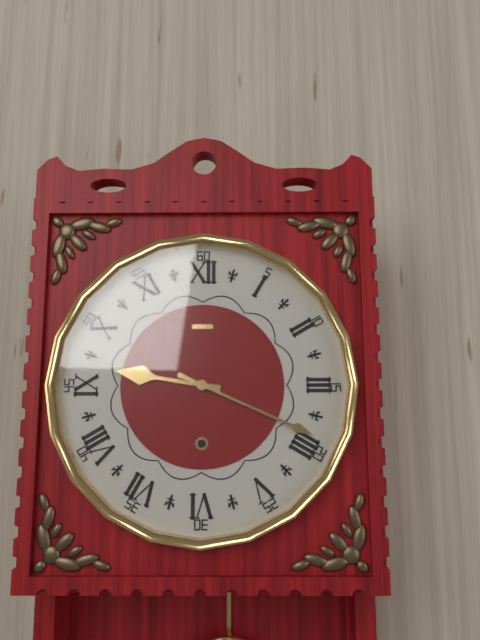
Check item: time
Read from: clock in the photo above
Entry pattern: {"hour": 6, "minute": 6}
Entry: {"hour": 9, "minute": 19}
